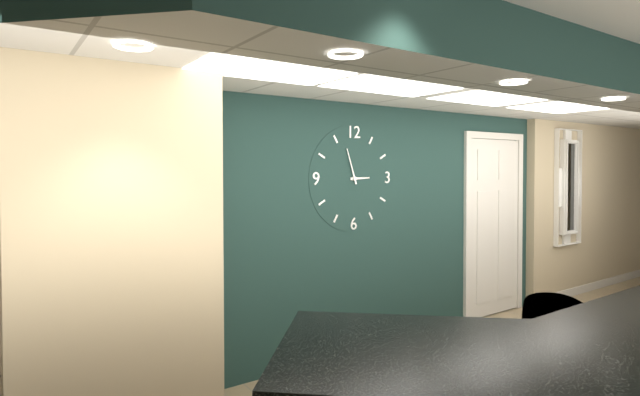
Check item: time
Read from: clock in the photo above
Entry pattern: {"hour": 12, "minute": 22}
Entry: {"hour": 2, "minute": 57}
